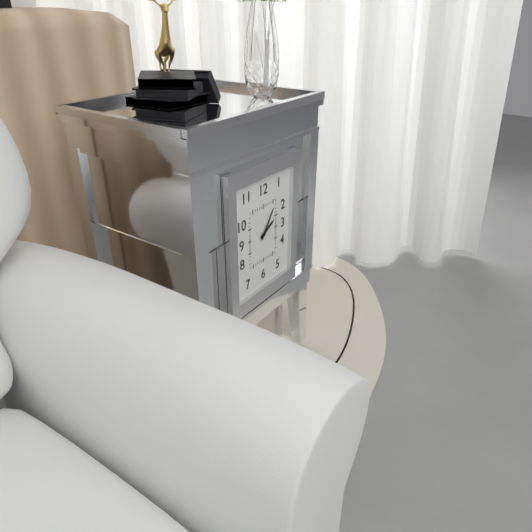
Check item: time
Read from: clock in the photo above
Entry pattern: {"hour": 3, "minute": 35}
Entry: {"hour": 2, "minute": 6}
